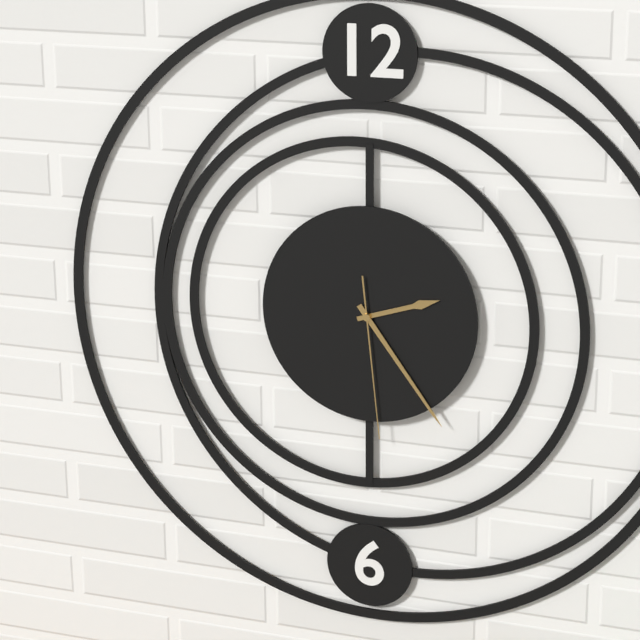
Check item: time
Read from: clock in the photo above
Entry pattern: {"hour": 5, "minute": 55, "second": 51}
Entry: {"hour": 2, "minute": 24, "second": 29}
